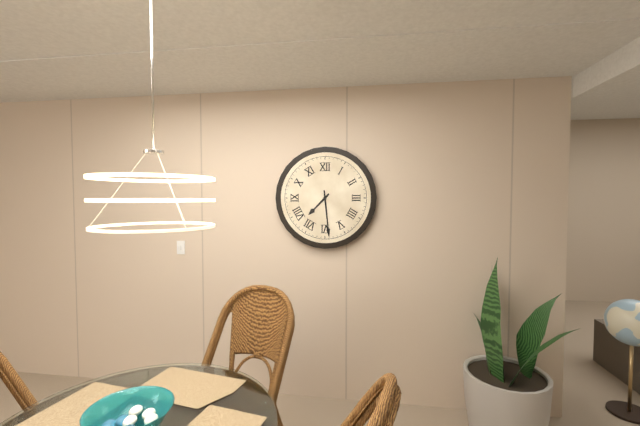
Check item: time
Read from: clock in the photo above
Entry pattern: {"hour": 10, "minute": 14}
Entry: {"hour": 7, "minute": 29}
